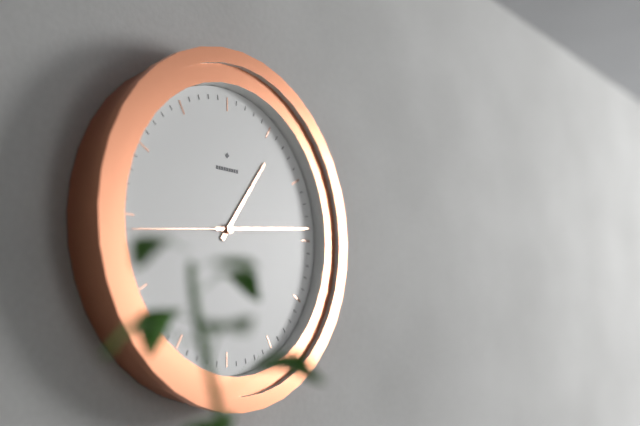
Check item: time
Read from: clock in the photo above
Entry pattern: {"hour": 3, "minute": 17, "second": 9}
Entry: {"hour": 1, "minute": 14, "second": 44}
